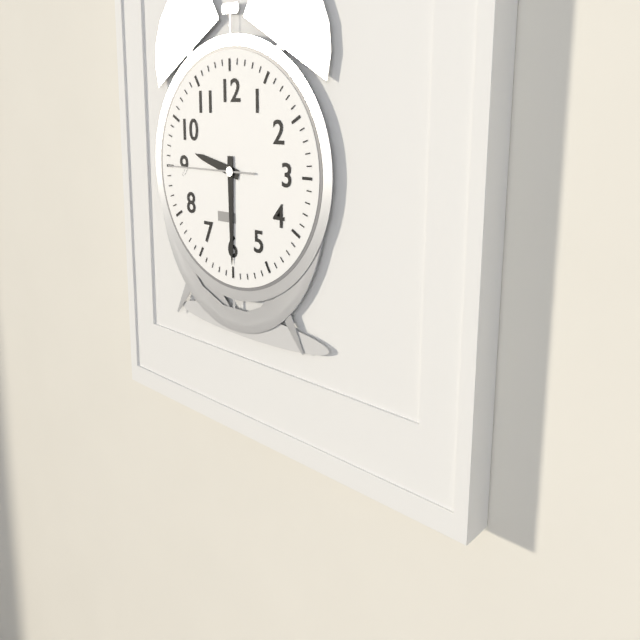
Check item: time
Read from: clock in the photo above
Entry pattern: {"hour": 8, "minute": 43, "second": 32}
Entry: {"hour": 9, "minute": 30, "second": 45}
